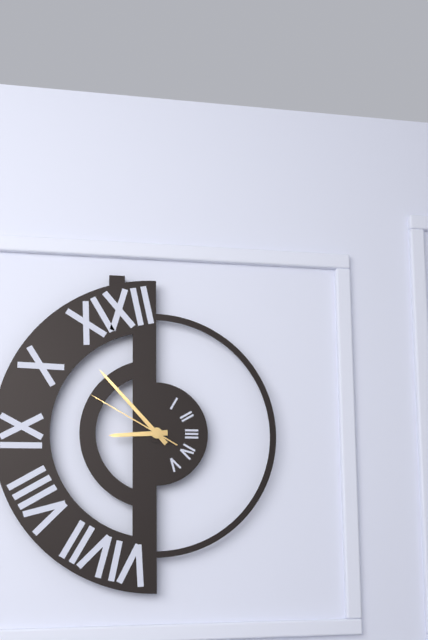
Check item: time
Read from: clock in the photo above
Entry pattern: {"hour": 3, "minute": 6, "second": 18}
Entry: {"hour": 8, "minute": 53, "second": 50}
